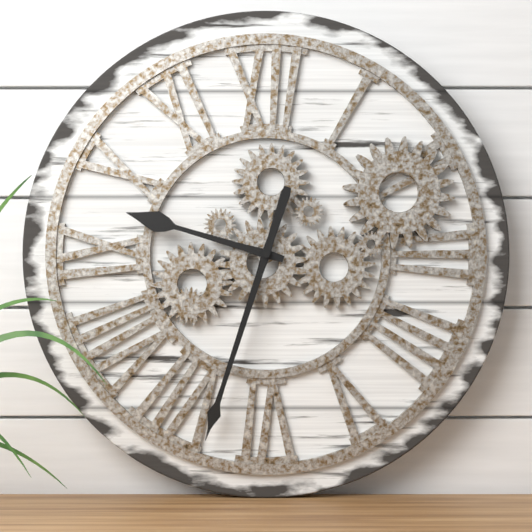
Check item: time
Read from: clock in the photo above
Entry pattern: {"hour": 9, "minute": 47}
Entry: {"hour": 9, "minute": 33}
